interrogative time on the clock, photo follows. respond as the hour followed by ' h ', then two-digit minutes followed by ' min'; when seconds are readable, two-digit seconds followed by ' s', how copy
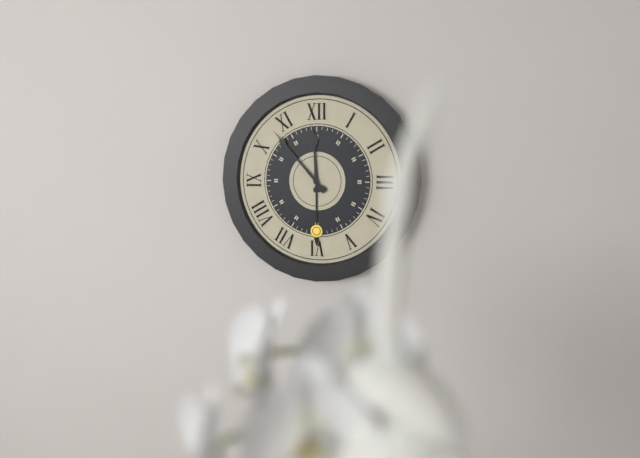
11 h 53 min
